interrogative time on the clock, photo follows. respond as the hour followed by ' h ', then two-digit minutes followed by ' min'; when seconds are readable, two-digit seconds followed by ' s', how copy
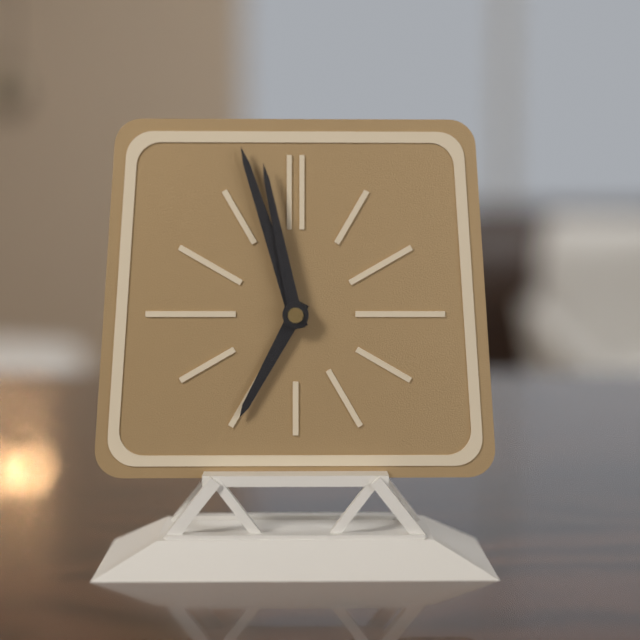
6 h 57 min 58 s
